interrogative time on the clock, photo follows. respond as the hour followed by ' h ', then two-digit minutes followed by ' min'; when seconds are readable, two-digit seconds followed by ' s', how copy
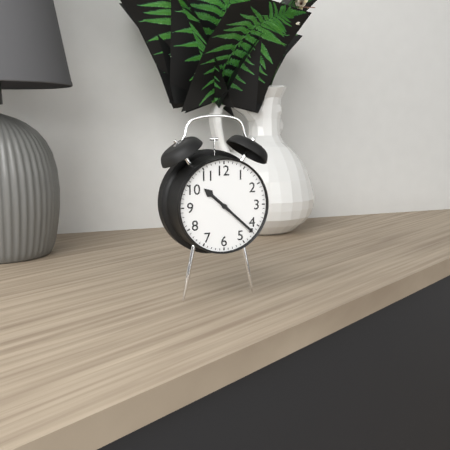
10 h 22 min
